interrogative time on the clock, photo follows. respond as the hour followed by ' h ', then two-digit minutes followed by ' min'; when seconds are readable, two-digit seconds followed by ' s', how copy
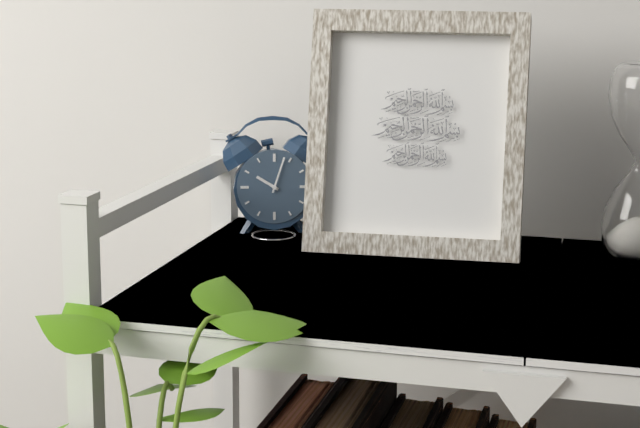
10 h 03 min
